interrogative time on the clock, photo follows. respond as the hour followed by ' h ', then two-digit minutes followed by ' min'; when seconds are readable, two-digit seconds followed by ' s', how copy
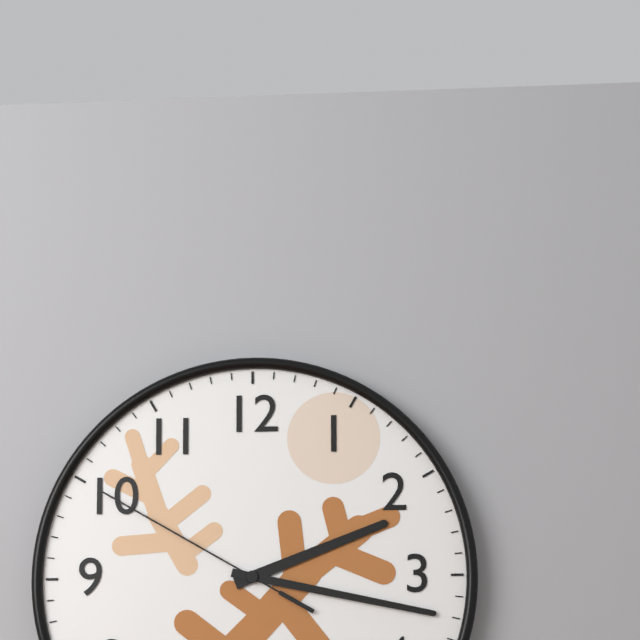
2 h 17 min 50 s
